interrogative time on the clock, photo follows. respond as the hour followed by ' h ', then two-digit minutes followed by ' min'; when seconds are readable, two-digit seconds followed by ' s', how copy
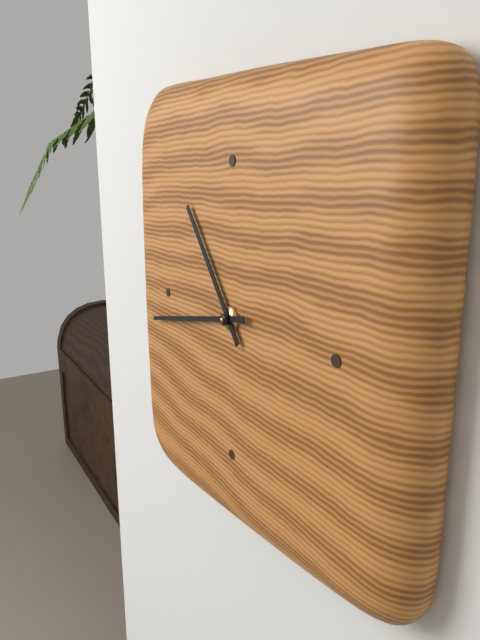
10 h 43 min
